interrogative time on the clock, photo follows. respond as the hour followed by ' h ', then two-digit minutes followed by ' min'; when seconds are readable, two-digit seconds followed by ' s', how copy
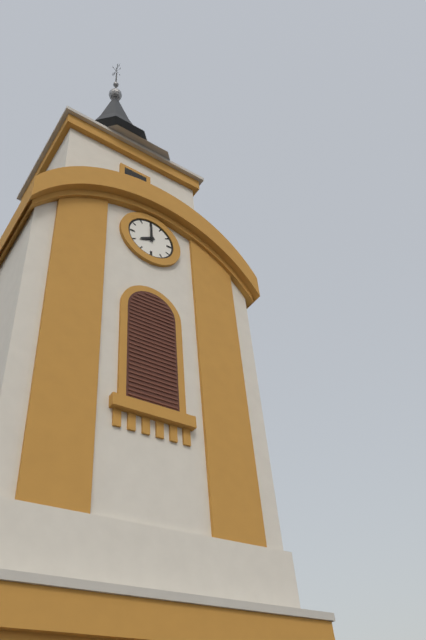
8 h 00 min
